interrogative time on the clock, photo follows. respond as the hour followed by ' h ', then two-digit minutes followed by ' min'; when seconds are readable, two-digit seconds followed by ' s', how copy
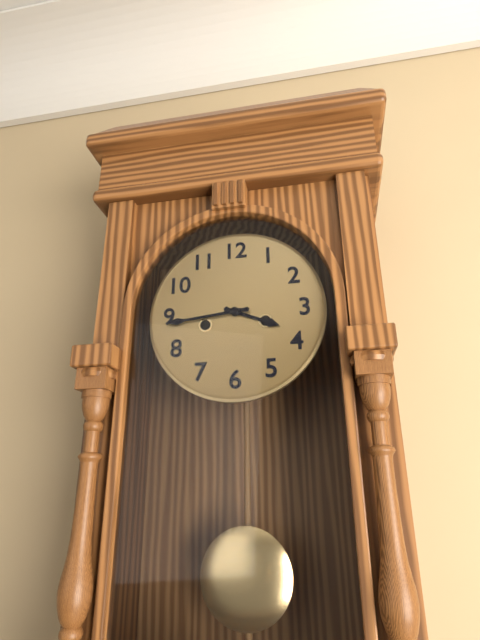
3 h 44 min
